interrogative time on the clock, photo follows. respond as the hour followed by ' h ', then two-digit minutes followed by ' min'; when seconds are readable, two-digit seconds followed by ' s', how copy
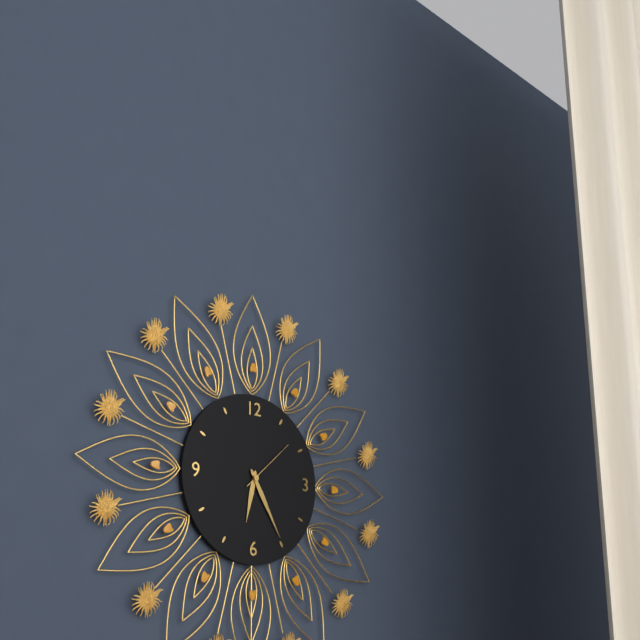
6 h 25 min 08 s
